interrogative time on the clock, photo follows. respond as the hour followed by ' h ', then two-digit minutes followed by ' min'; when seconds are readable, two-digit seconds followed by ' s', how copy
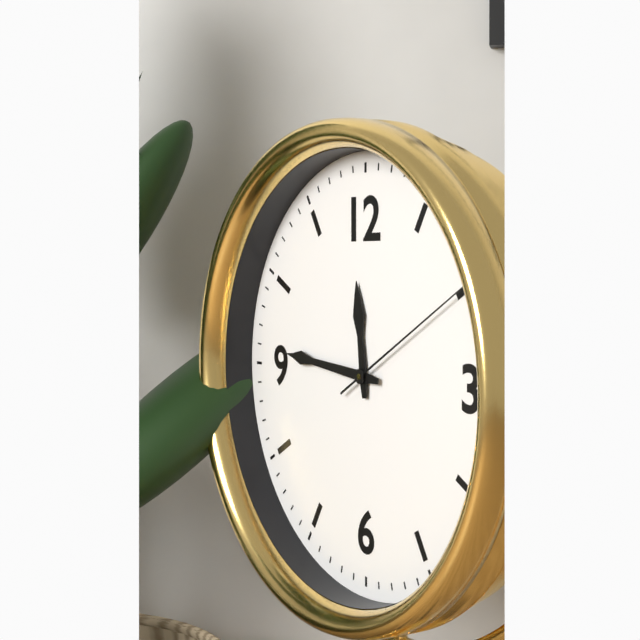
11 h 46 min 10 s
